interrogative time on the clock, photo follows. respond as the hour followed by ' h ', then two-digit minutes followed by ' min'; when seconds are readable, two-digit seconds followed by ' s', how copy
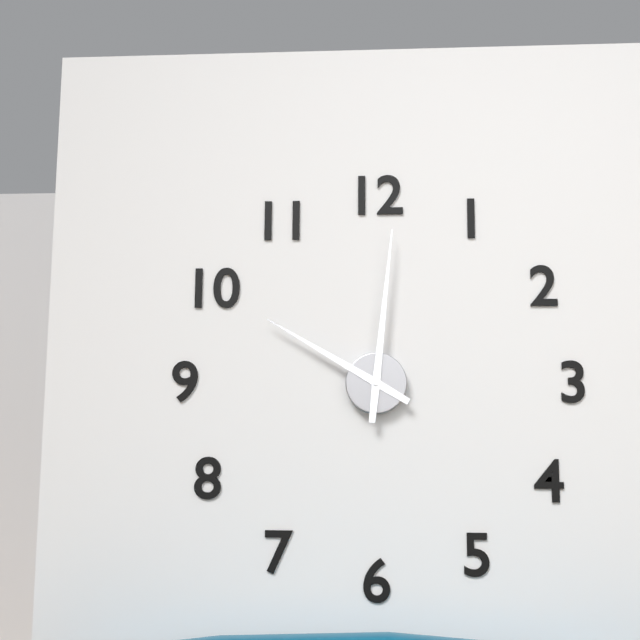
10 h 01 min
